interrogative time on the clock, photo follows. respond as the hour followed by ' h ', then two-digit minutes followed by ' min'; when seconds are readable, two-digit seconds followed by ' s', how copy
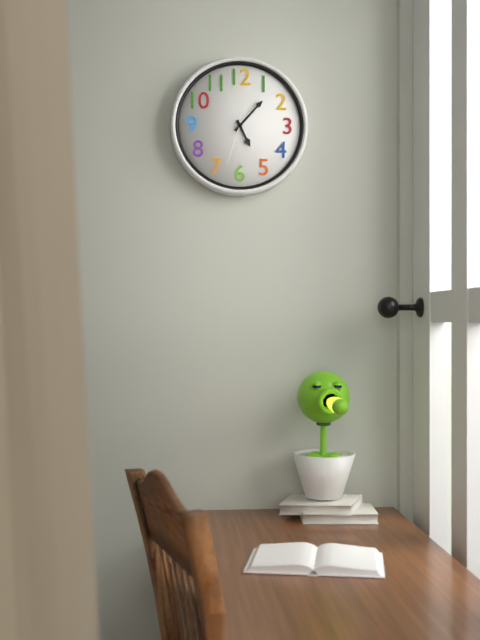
5 h 07 min
